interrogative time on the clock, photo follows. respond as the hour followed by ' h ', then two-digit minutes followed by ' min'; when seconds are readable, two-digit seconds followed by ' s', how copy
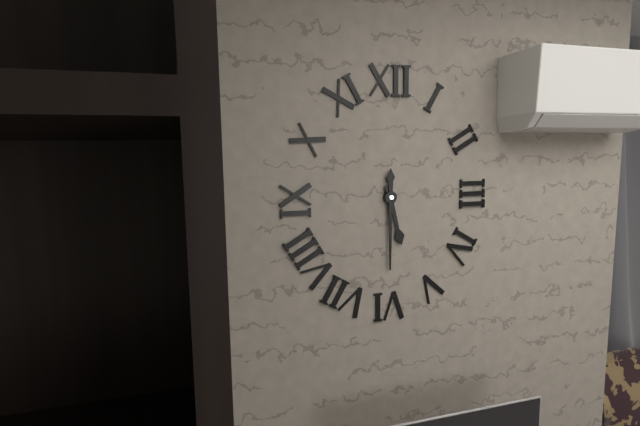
5 h 30 min
